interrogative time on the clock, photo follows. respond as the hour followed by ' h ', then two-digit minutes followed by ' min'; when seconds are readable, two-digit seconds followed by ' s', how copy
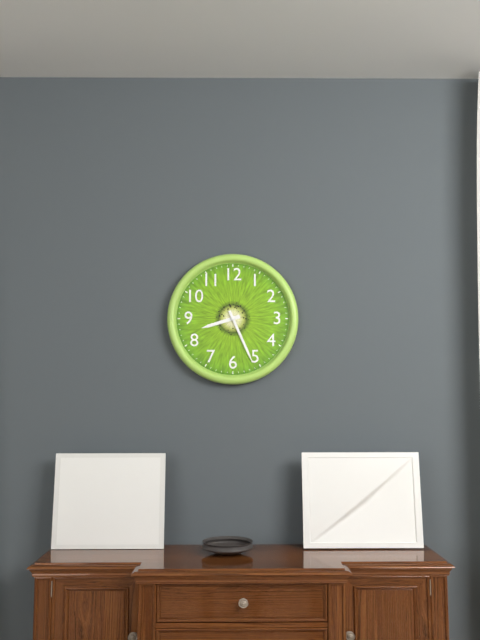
8 h 26 min
